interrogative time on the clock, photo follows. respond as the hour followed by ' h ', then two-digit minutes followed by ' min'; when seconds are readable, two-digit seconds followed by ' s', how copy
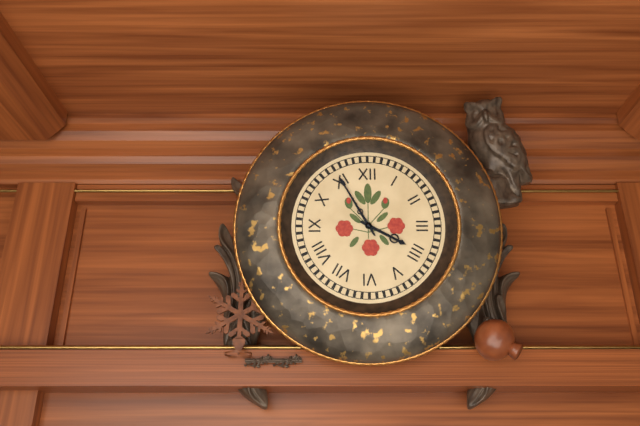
3 h 55 min
